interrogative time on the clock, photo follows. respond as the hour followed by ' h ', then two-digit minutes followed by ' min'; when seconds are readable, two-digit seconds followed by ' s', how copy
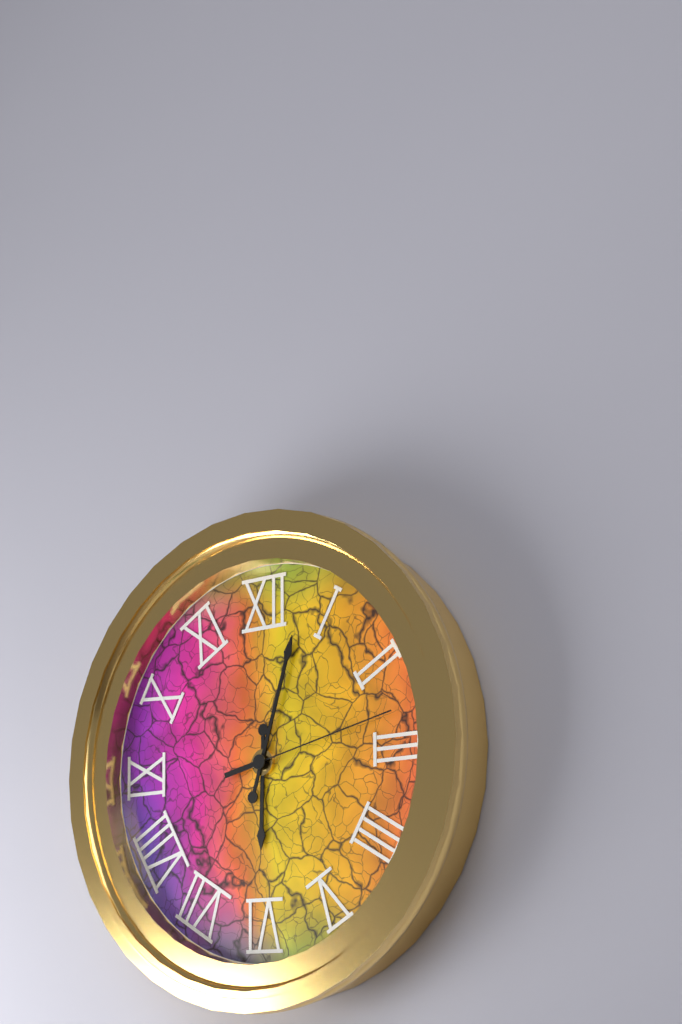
6 h 03 min 13 s
